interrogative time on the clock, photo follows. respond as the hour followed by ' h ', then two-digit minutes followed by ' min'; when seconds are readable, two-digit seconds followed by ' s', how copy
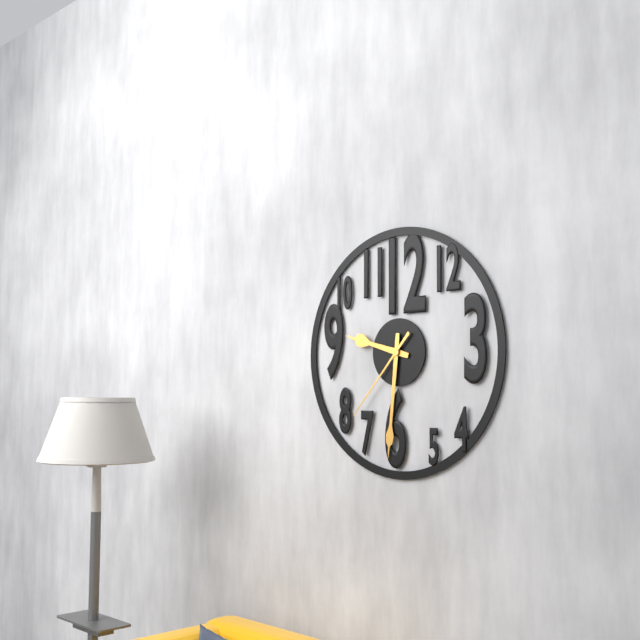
9 h 31 min 37 s
